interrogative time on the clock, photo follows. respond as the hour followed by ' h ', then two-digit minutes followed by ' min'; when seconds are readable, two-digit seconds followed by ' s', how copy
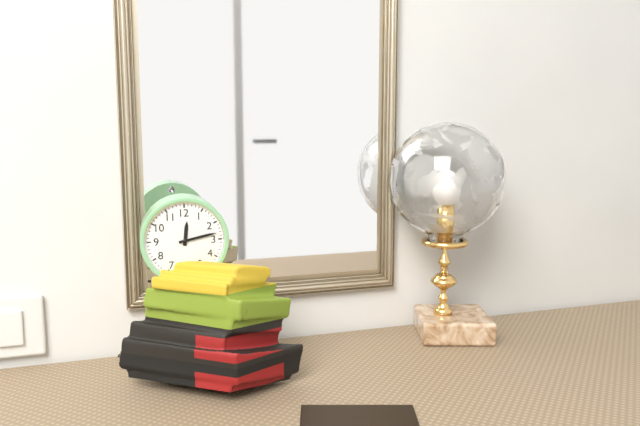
12 h 13 min
